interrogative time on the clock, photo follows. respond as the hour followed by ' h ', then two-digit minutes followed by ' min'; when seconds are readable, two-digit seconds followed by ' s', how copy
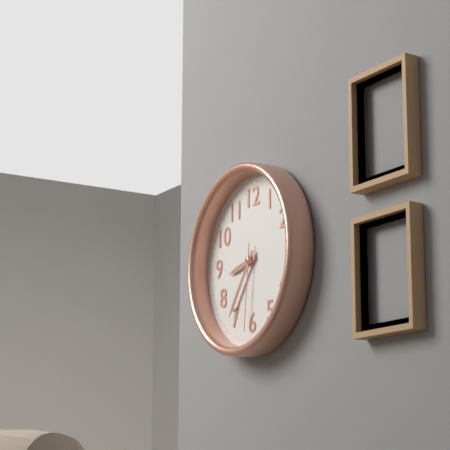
8 h 36 min 31 s
